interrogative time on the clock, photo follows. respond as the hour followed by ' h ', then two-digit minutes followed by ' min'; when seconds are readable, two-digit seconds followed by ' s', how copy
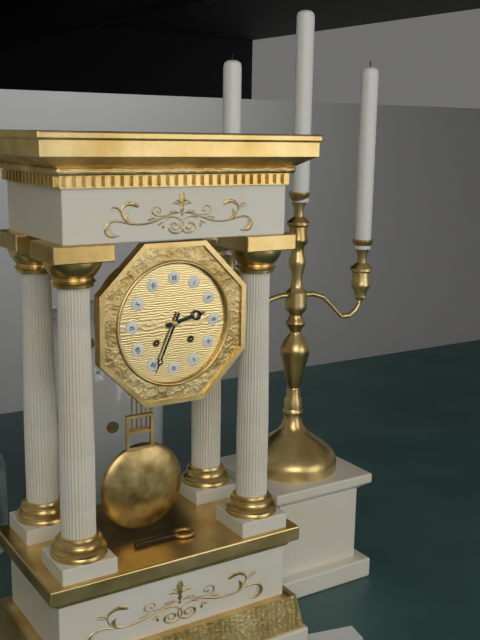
2 h 34 min
